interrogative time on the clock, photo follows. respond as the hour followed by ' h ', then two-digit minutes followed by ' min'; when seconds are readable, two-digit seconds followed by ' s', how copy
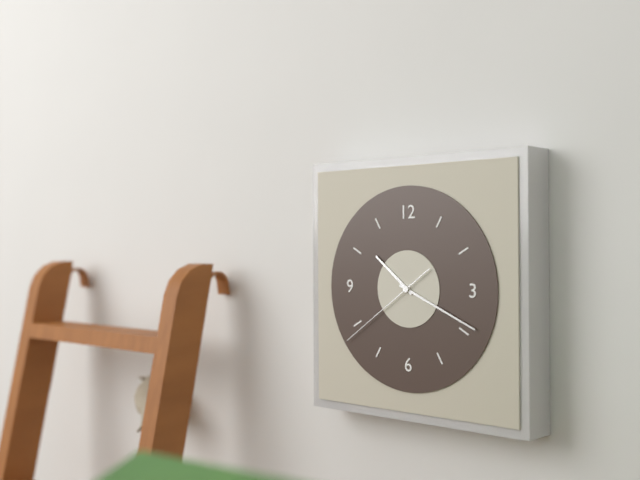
10 h 19 min 39 s
